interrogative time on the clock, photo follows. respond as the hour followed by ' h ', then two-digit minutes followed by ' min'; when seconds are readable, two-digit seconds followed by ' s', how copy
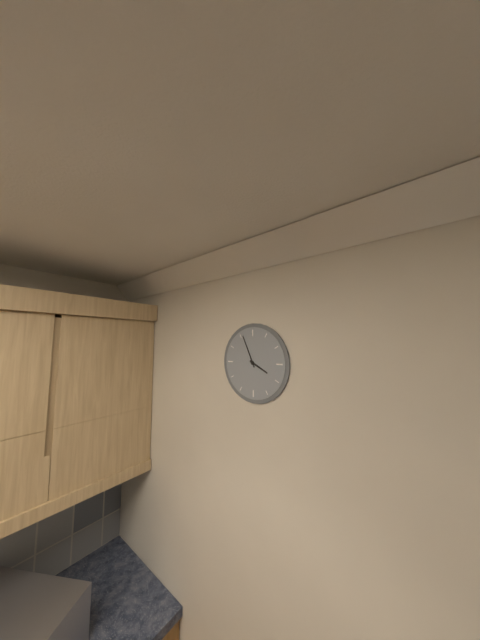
3 h 56 min
